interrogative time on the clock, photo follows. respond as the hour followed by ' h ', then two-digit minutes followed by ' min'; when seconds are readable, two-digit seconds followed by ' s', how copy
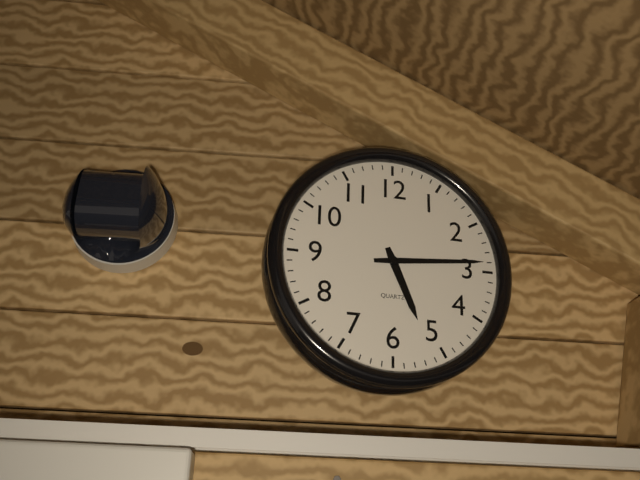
5 h 14 min
